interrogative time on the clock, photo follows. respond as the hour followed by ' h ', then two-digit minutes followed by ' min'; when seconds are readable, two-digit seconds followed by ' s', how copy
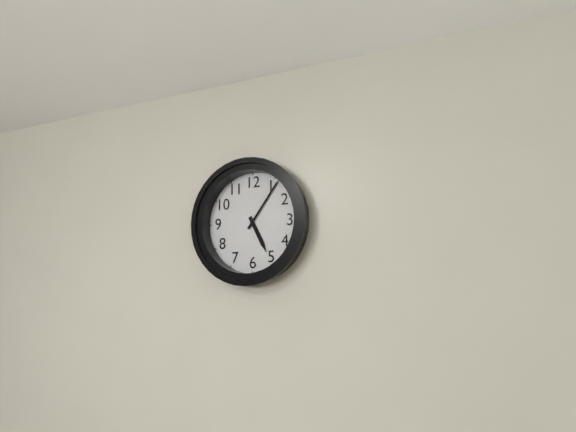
5 h 06 min
